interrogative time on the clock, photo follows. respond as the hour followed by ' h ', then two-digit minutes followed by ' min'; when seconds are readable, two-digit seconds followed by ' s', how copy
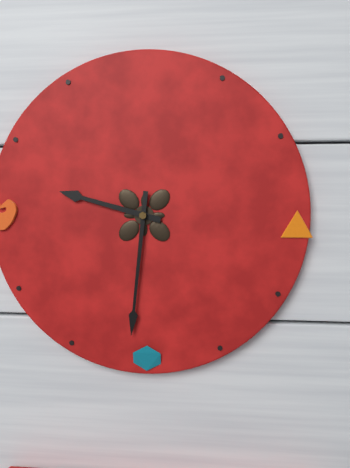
9 h 31 min
